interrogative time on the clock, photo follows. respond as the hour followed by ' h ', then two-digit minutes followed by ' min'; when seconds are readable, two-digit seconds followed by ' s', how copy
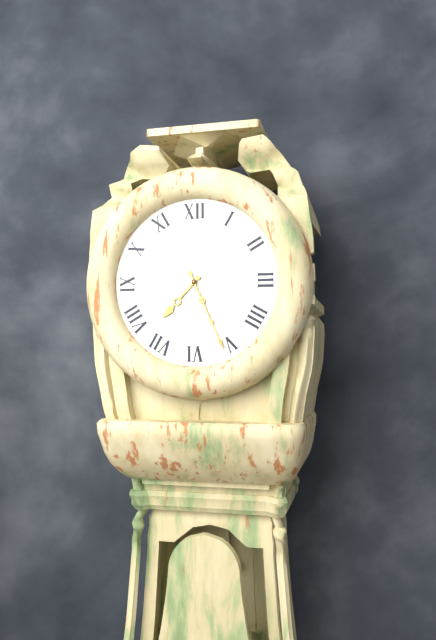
7 h 26 min
